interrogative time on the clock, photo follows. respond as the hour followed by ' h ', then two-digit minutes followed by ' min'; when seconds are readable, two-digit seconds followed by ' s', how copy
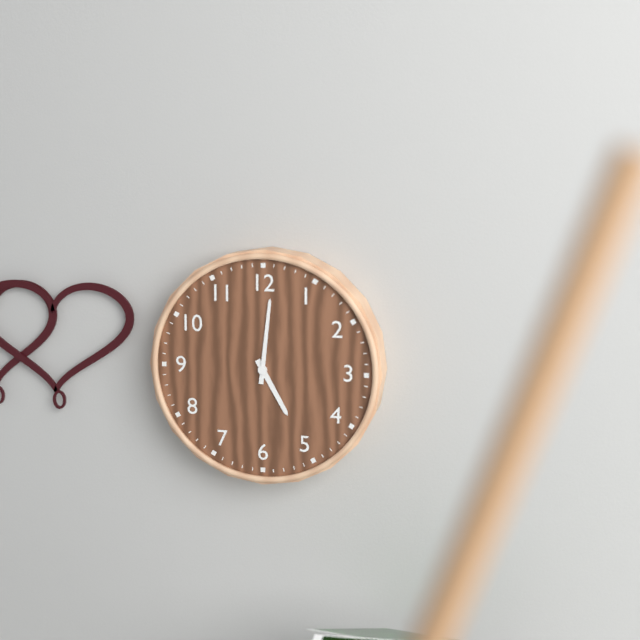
5 h 01 min
